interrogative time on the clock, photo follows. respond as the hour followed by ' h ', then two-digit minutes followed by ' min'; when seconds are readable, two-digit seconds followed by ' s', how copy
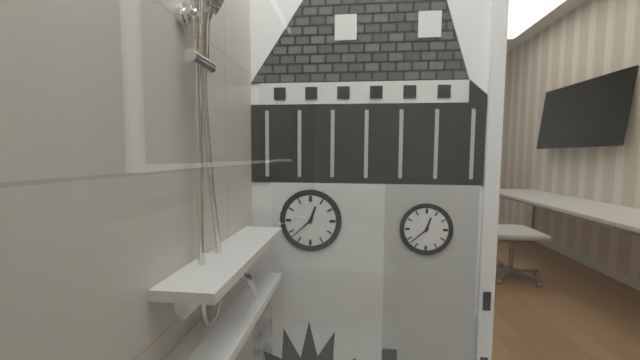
12 h 38 min
